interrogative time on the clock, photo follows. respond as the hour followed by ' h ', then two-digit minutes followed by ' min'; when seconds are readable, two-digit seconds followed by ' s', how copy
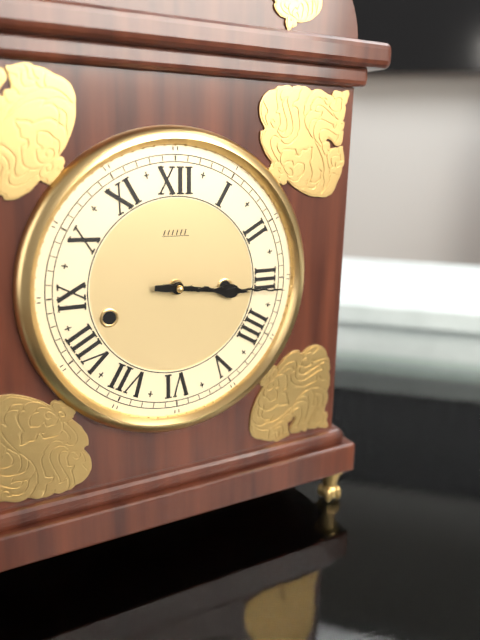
3 h 16 min
